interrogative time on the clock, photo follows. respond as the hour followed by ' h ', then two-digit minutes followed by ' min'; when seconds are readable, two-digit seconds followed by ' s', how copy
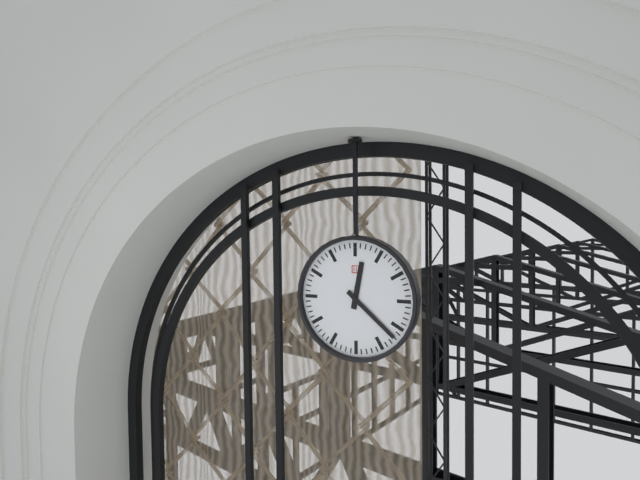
12 h 22 min
